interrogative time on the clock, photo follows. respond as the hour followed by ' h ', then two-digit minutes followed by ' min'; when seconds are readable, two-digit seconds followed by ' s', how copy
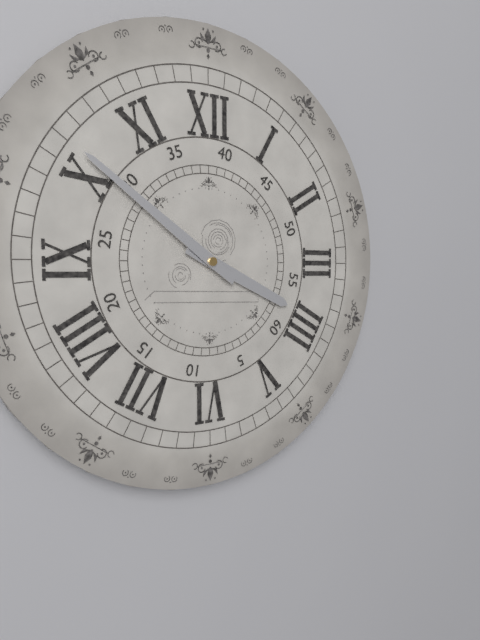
3 h 51 min
